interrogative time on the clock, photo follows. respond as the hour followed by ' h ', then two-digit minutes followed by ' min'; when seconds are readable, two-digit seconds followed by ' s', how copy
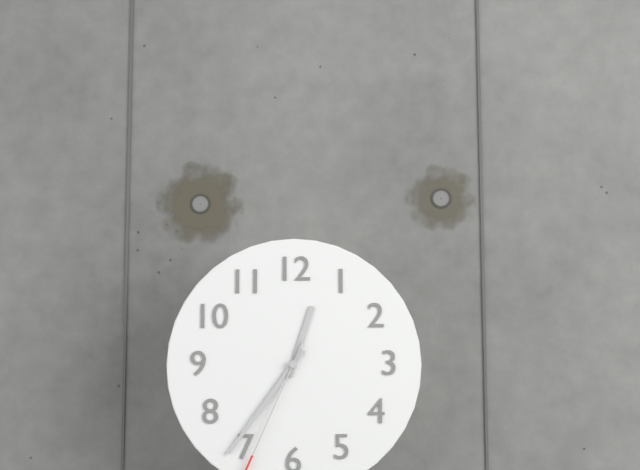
12 h 36 min
